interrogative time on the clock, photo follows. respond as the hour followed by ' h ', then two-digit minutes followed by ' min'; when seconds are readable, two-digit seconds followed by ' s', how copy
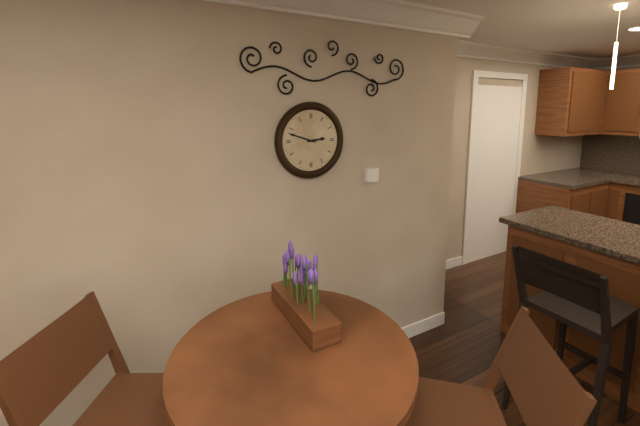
2 h 48 min
